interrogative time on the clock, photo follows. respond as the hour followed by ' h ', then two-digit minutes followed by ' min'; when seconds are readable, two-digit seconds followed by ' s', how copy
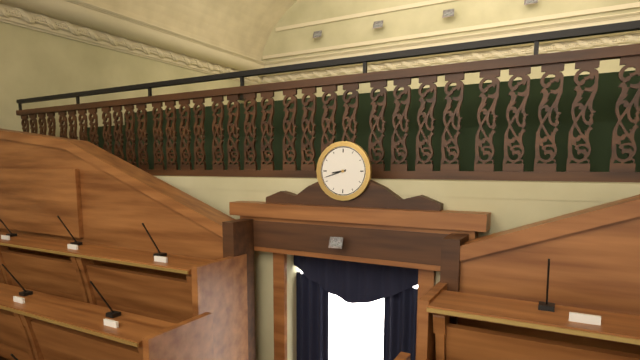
8 h 42 min
